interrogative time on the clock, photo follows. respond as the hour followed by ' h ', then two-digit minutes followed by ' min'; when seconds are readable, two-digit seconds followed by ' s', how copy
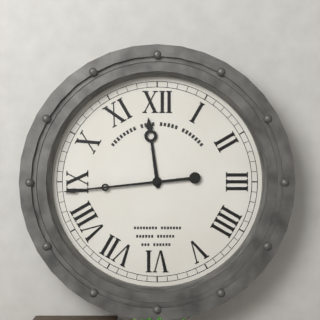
11 h 44 min
